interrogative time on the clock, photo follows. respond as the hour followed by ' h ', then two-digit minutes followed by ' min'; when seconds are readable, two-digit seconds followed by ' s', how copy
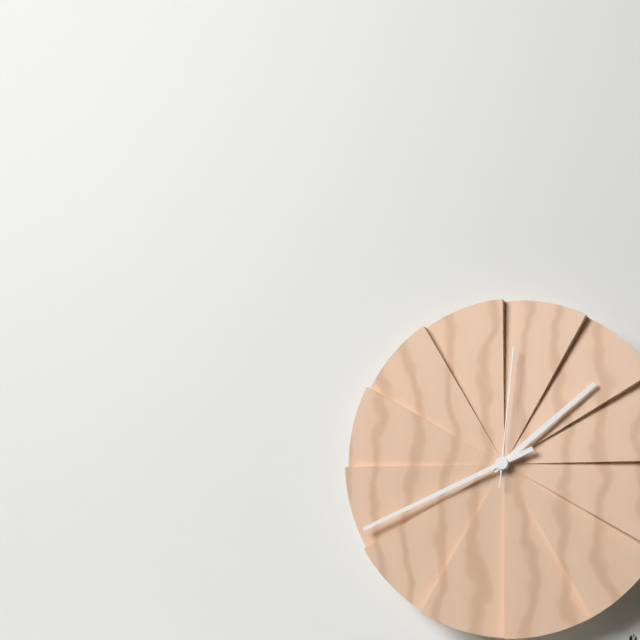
1 h 41 min 01 s
